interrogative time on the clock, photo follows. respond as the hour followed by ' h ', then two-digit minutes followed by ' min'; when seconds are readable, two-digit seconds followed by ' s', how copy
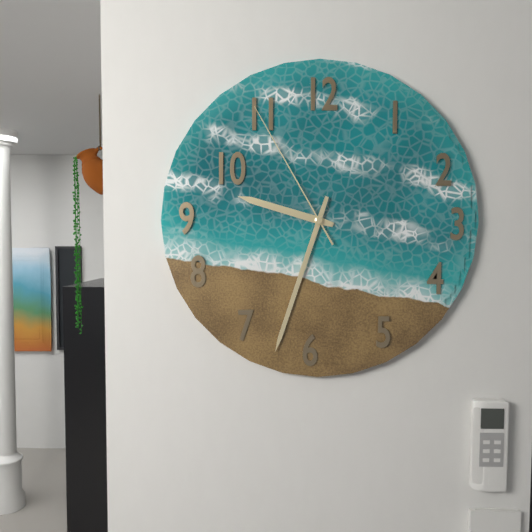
9 h 33 min 55 s
